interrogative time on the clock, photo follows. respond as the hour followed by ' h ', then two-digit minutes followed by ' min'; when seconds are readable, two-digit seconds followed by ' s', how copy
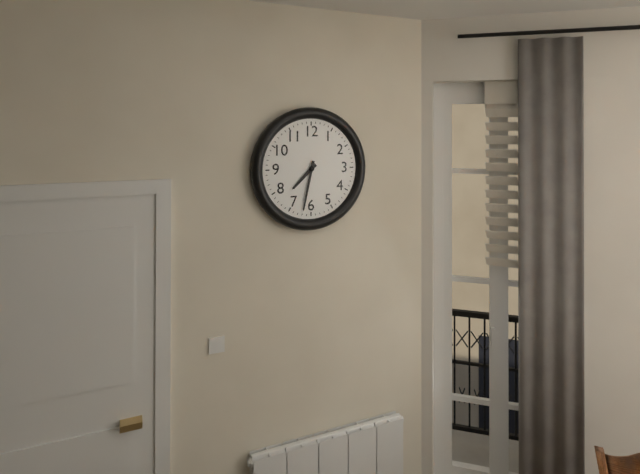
7 h 32 min
